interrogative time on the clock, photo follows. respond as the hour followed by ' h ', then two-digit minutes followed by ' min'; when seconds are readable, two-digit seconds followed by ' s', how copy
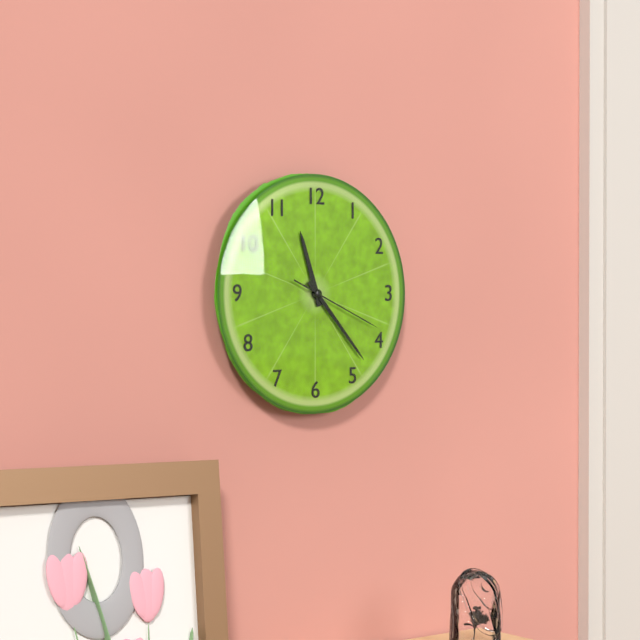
11 h 23 min 19 s
